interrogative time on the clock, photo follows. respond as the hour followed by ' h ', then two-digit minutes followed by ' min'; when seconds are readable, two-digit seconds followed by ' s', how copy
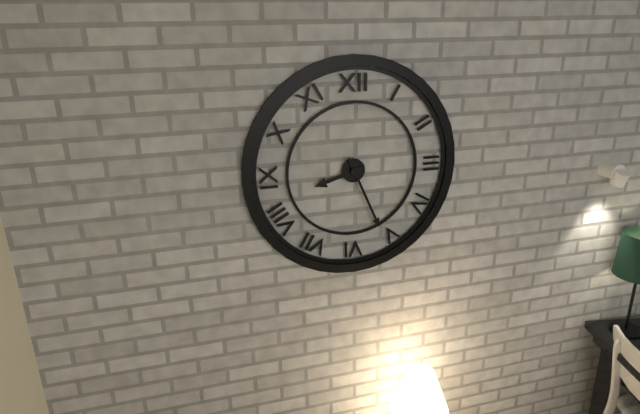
8 h 26 min
